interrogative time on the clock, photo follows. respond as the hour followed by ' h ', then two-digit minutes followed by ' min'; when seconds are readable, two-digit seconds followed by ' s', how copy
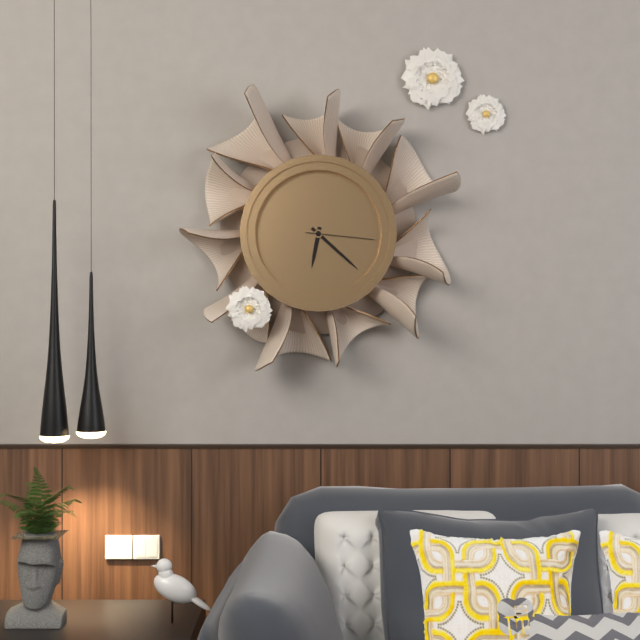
6 h 22 min 16 s
